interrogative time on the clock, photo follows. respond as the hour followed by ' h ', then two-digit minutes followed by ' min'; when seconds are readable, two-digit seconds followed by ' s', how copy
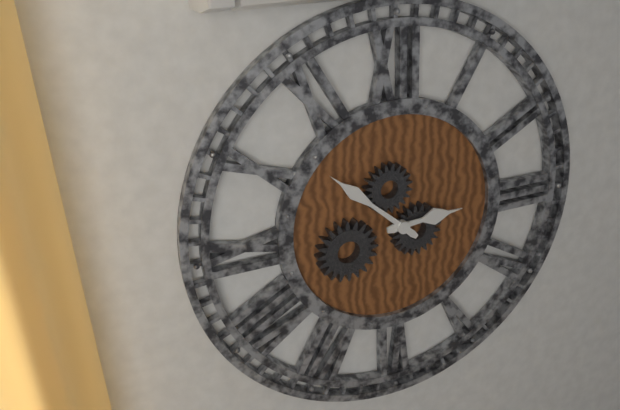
2 h 52 min
